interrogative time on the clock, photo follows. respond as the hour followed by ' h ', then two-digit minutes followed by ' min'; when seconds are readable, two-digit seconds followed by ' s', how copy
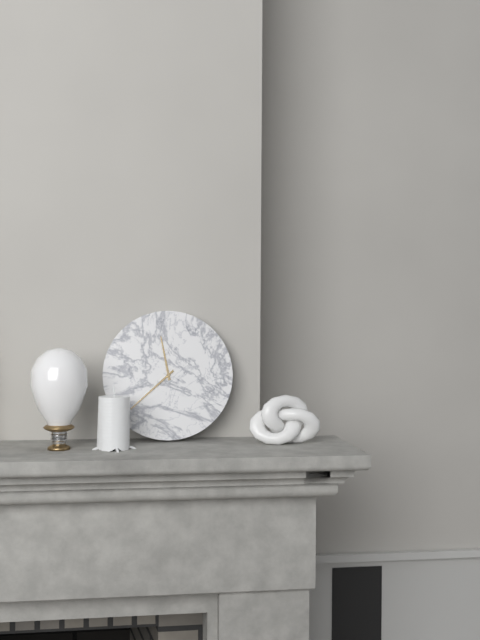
11 h 38 min
